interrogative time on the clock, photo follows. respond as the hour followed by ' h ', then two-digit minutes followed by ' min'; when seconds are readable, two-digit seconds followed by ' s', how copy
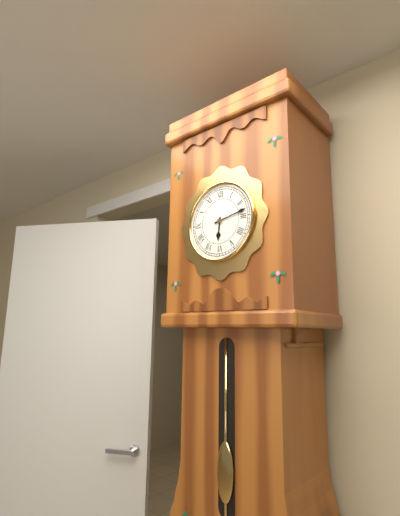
6 h 13 min
